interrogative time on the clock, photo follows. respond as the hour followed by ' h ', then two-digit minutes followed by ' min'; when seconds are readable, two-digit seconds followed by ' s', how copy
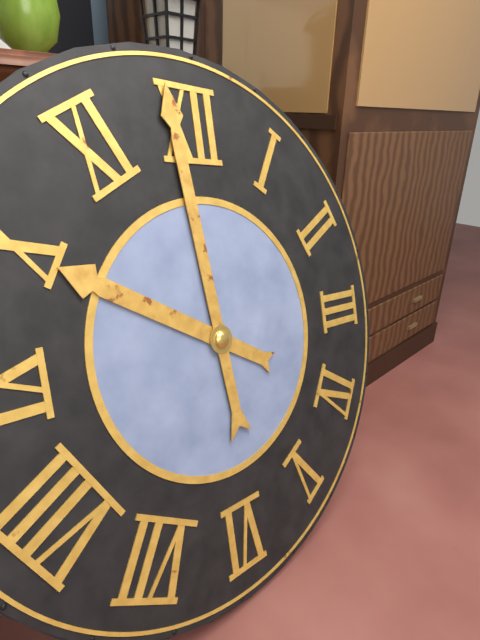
9 h 59 min
